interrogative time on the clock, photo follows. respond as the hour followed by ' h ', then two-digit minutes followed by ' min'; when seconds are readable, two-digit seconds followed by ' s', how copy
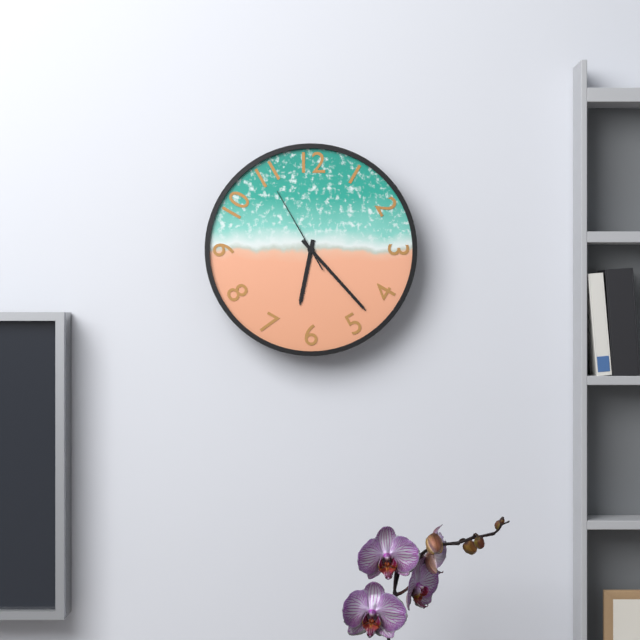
6 h 23 min 55 s
